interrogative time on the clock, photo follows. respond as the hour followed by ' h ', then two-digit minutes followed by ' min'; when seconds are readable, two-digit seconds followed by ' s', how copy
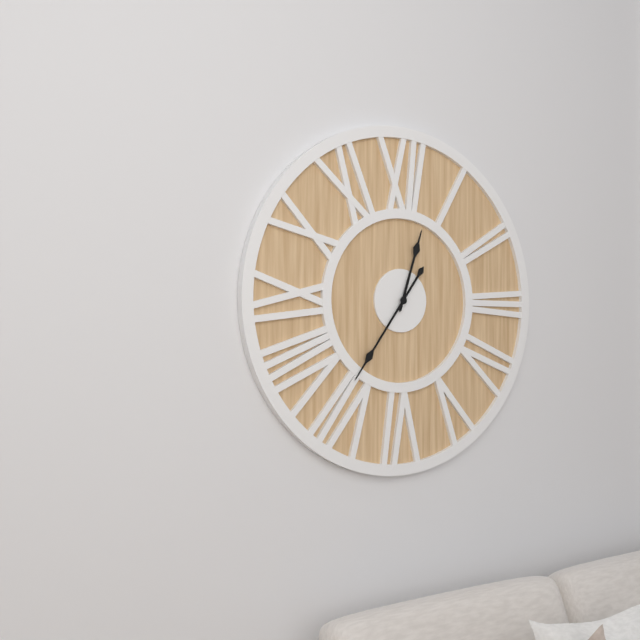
12 h 36 min
